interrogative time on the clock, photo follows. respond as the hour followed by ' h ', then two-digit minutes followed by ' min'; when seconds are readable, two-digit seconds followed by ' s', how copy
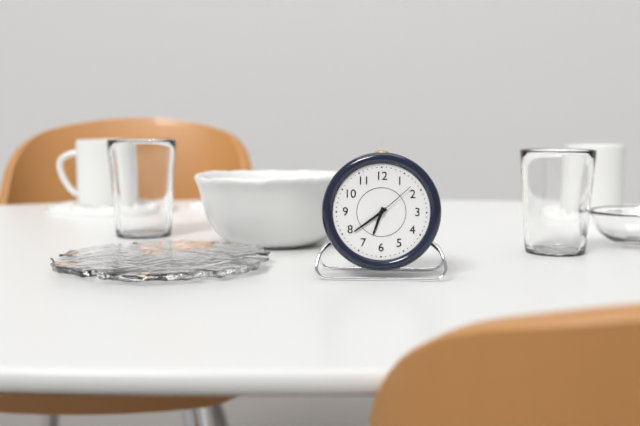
6 h 39 min
